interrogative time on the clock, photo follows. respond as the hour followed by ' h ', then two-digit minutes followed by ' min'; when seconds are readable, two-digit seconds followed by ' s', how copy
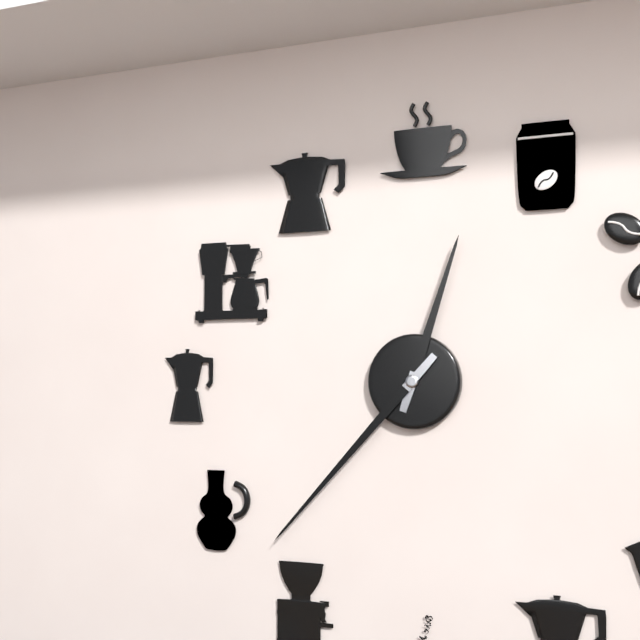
12 h 37 min
